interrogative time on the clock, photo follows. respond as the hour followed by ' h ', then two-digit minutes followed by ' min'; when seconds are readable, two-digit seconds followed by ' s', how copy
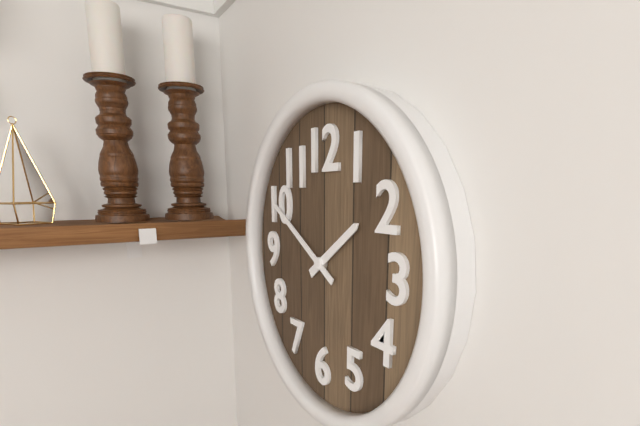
1 h 50 min
